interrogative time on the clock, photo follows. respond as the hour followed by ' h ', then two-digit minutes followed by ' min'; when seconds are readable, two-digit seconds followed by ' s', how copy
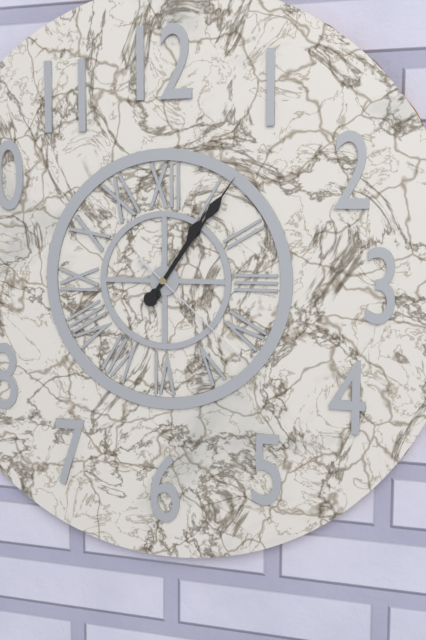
1 h 06 min 22 s
